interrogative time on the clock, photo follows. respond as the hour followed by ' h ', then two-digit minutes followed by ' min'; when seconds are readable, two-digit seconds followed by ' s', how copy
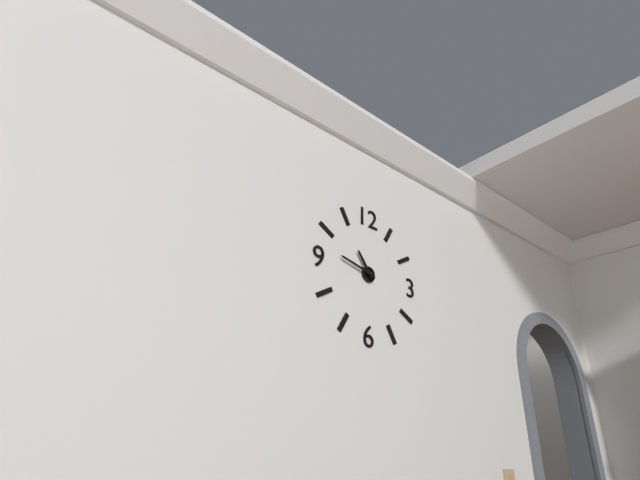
10 h 47 min
